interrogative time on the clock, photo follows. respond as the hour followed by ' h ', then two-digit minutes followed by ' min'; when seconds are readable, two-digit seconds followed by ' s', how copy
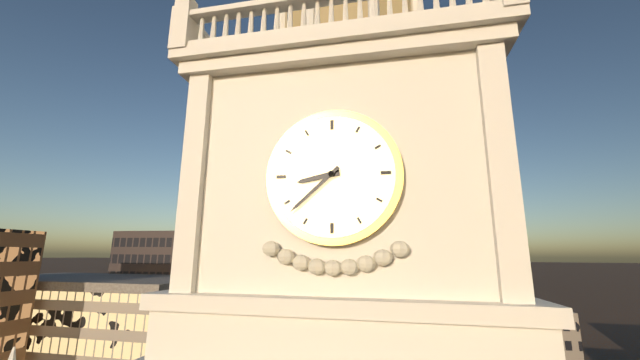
8 h 38 min
